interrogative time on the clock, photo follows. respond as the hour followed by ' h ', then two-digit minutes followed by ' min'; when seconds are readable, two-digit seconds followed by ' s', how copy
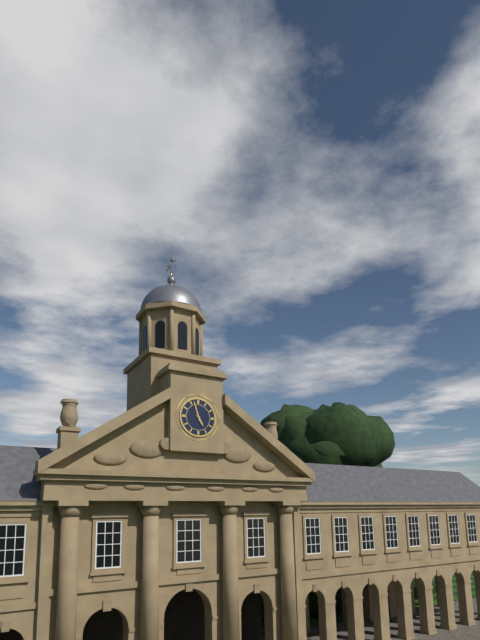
4 h 57 min
